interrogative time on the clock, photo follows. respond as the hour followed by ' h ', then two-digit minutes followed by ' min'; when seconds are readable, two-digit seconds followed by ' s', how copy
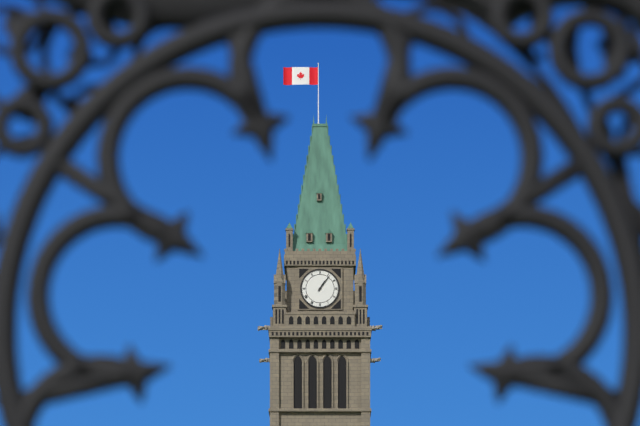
1 h 06 min
